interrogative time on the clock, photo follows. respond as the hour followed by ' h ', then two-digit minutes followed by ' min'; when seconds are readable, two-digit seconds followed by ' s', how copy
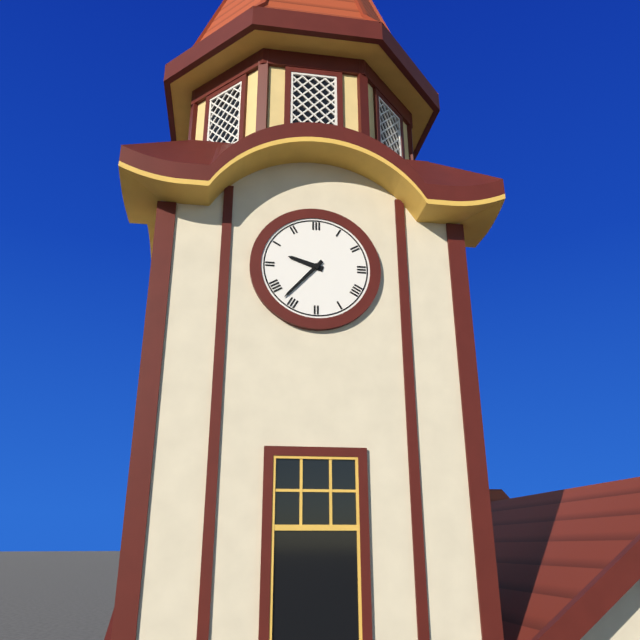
9 h 37 min
